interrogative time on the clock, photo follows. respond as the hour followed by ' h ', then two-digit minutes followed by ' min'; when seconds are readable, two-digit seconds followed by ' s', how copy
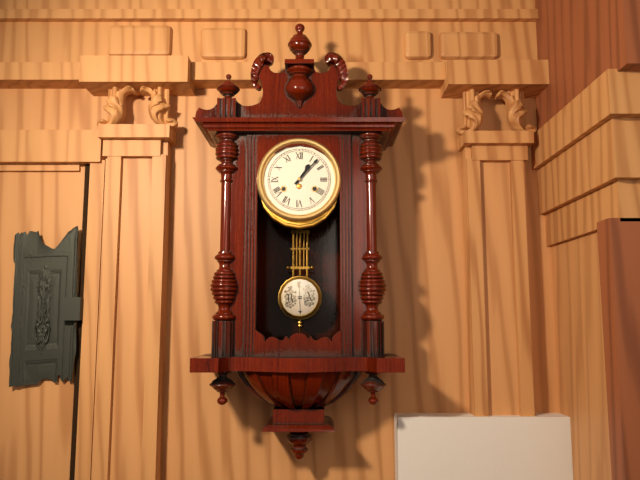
1 h 07 min
